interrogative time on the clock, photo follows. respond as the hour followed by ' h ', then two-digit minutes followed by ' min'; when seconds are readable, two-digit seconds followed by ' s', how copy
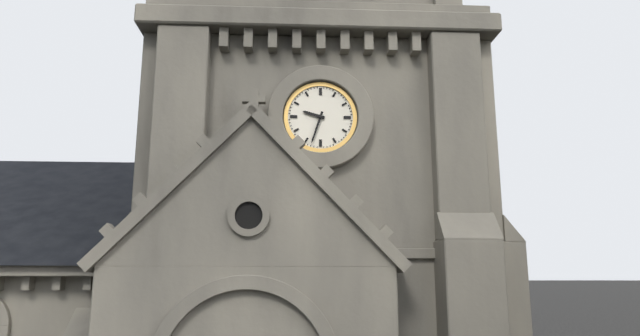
9 h 33 min
